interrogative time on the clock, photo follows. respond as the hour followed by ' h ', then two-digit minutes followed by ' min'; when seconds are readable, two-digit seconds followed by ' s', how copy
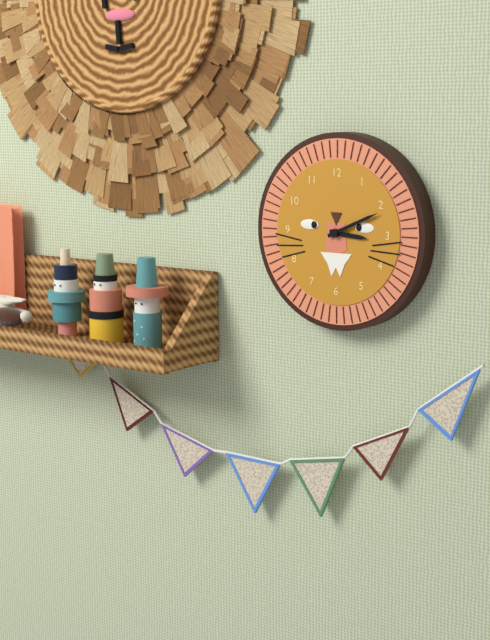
3 h 11 min
